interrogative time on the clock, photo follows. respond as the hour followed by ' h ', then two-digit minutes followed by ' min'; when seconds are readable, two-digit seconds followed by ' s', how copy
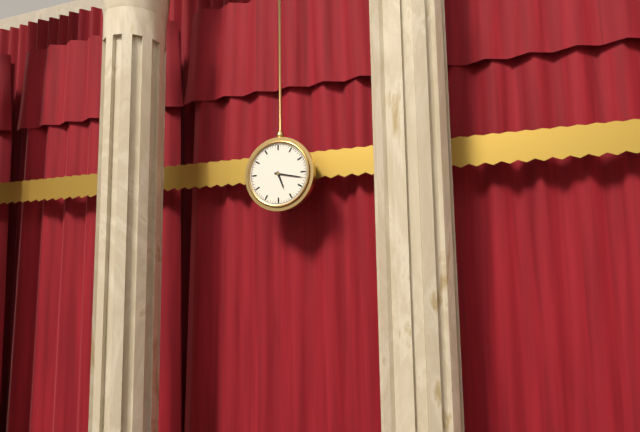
5 h 17 min
